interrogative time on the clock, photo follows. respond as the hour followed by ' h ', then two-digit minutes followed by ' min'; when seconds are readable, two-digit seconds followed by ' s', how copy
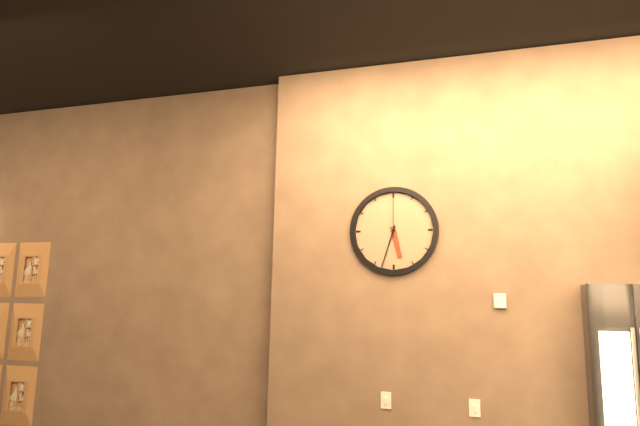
5 h 33 min
